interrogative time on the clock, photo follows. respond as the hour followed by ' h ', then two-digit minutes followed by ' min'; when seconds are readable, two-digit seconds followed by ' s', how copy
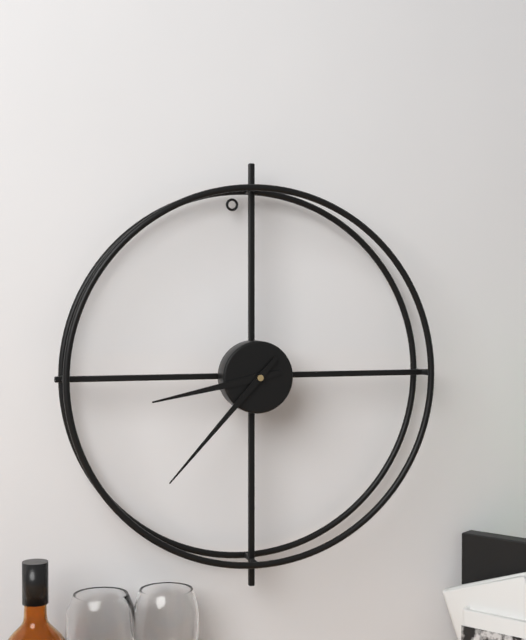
8 h 37 min
